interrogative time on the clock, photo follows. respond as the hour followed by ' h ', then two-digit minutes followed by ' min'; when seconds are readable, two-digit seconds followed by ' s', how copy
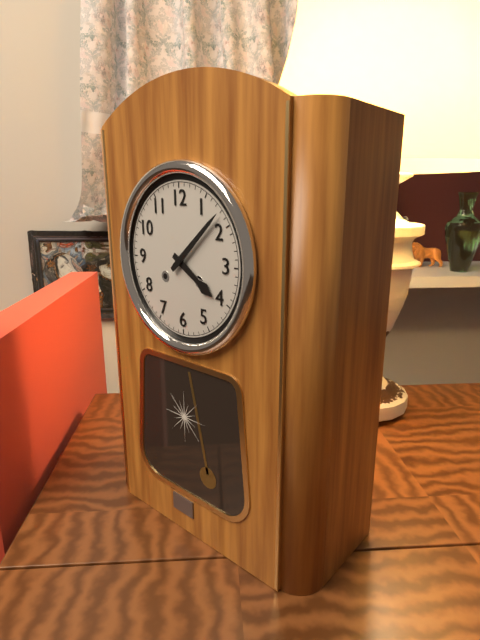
4 h 08 min
